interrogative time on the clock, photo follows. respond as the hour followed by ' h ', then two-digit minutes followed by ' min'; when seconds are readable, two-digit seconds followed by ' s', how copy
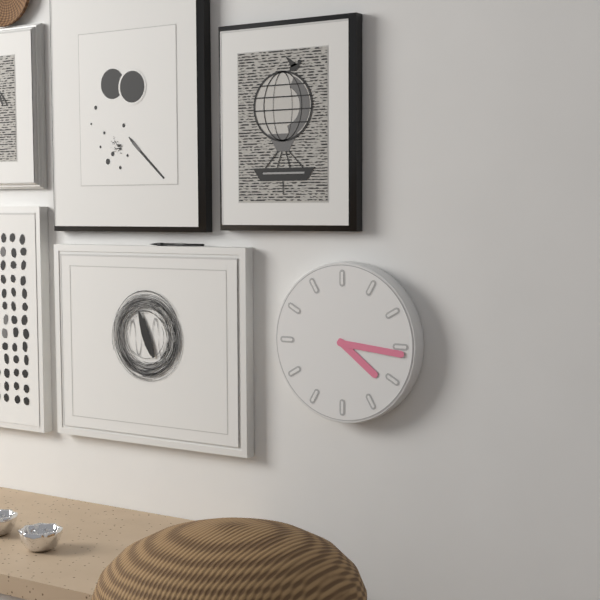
4 h 16 min
